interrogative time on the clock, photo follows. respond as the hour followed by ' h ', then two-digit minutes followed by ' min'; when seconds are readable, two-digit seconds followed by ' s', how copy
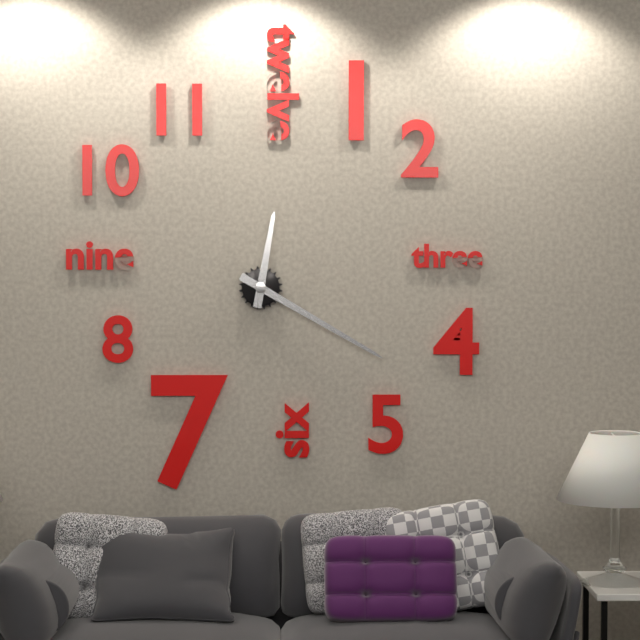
12 h 20 min
